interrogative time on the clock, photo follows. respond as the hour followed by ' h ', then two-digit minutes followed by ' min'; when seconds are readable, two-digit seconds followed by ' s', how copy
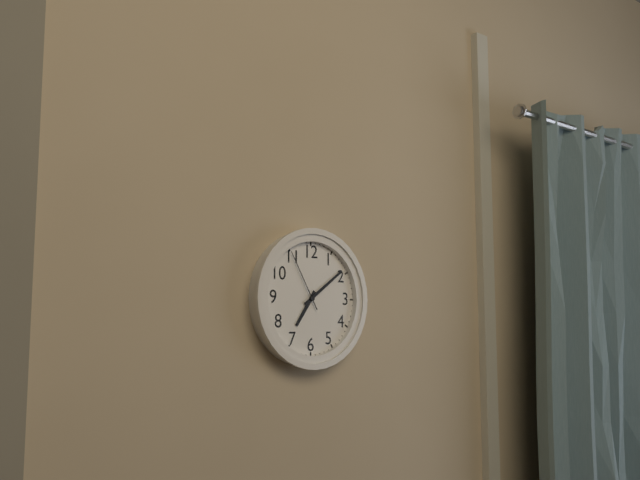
7 h 09 min 55 s
